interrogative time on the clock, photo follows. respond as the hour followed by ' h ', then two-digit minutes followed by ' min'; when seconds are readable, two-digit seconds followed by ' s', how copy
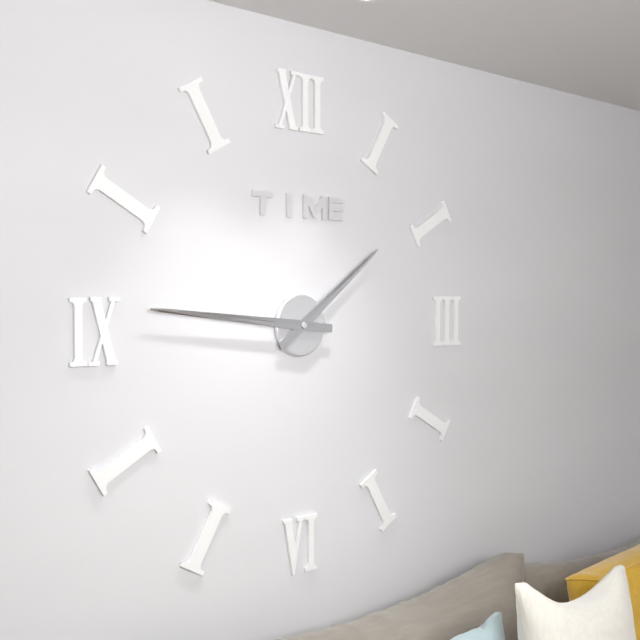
1 h 46 min
